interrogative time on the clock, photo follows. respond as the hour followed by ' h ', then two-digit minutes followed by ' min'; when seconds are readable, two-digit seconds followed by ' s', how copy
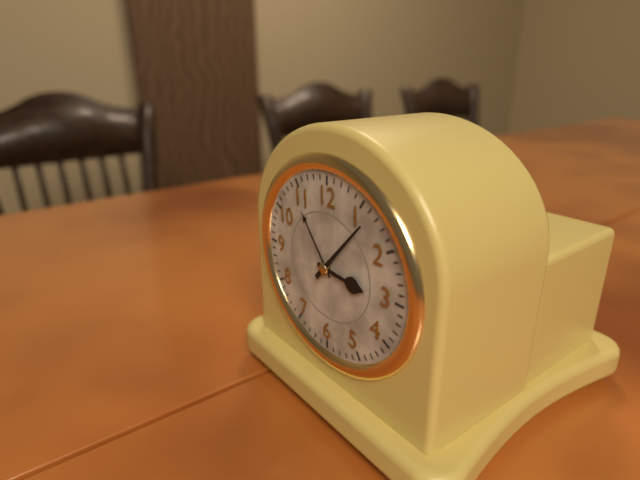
3 h 07 min
